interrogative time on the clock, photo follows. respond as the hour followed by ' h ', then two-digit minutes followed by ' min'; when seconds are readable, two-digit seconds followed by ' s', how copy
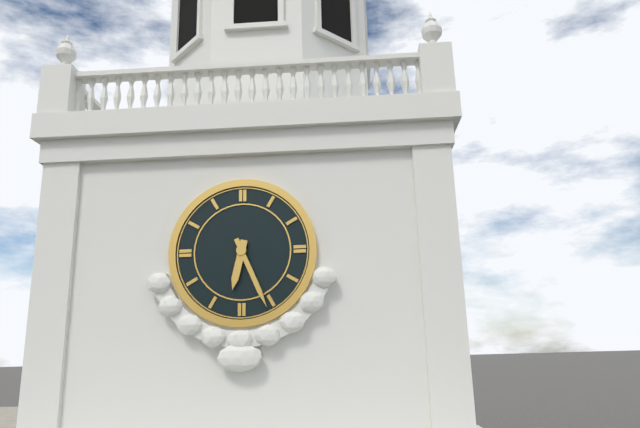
6 h 26 min
